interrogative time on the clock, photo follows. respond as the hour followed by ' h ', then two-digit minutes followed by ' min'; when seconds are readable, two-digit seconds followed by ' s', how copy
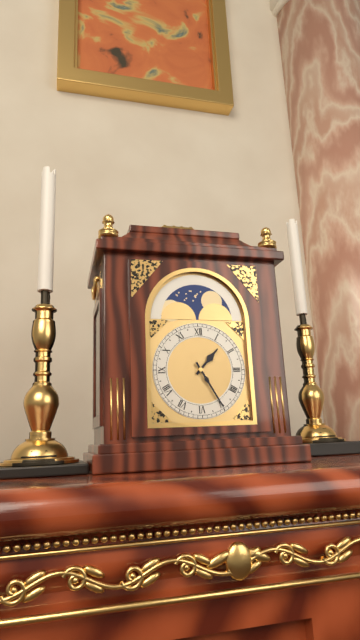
1 h 25 min
